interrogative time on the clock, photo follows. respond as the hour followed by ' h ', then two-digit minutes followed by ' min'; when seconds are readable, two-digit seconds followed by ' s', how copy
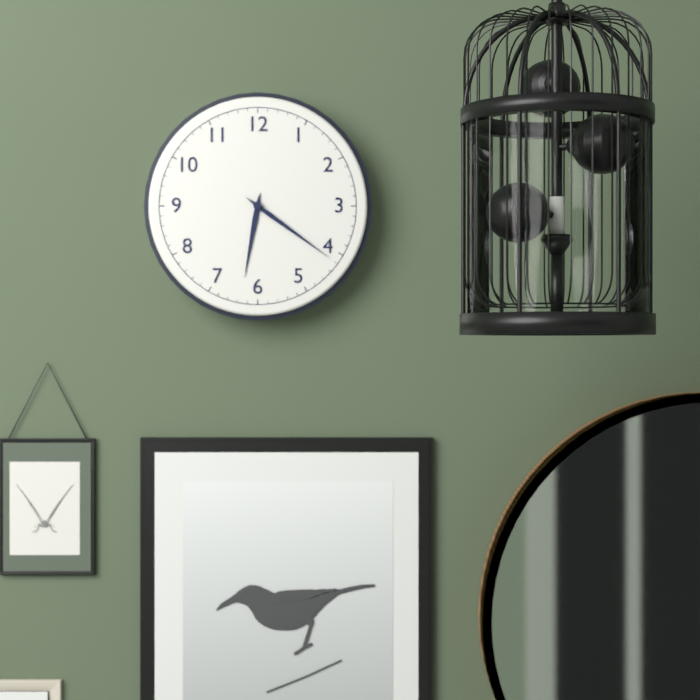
6 h 21 min
